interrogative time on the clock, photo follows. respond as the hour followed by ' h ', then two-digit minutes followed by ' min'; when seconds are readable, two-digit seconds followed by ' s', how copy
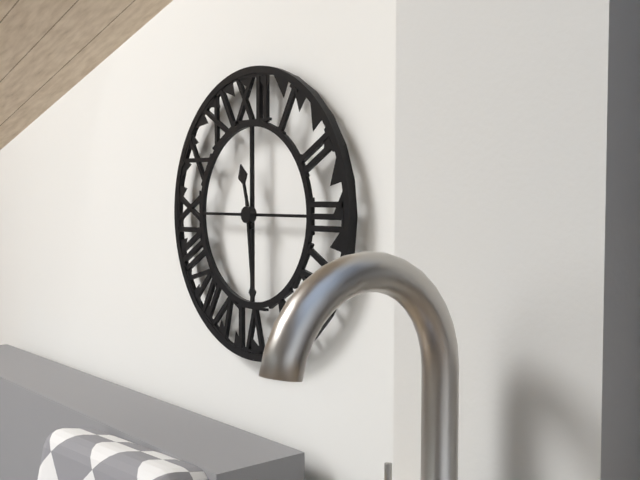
11 h 29 min
